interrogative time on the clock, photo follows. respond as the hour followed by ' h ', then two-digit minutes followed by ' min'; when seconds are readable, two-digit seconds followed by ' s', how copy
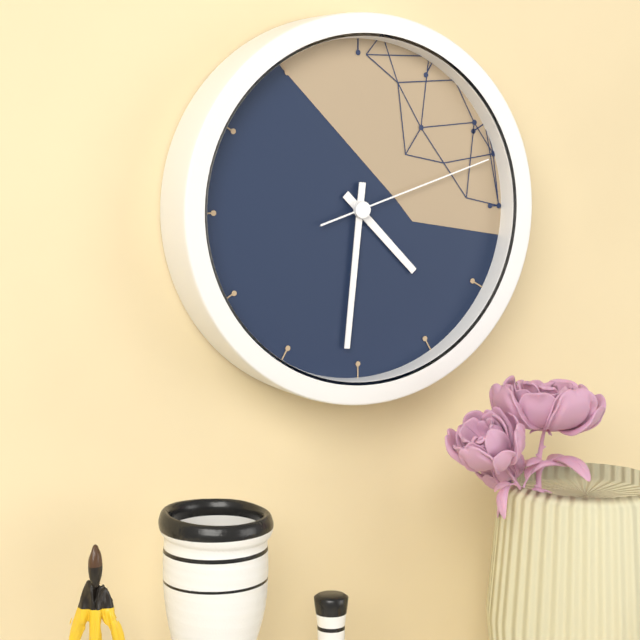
4 h 31 min 12 s
